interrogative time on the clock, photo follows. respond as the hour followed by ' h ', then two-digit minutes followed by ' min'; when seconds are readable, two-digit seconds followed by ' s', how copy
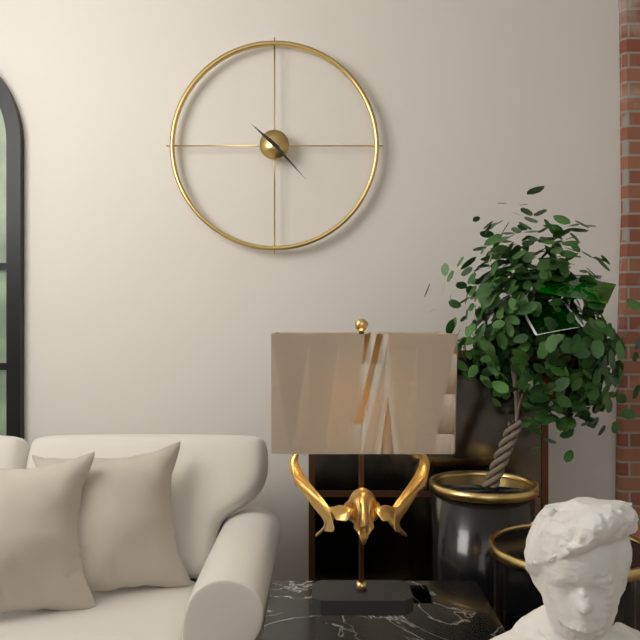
10 h 23 min
